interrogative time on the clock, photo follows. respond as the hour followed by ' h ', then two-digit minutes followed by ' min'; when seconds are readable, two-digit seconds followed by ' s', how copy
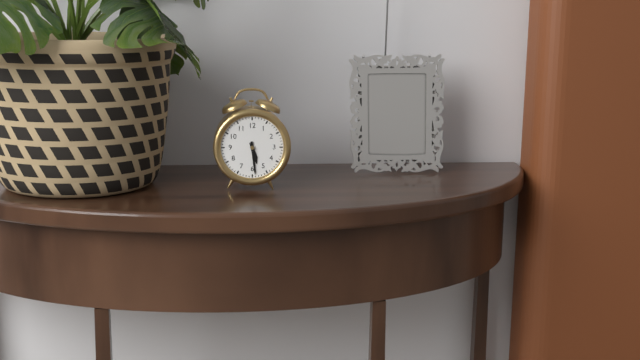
5 h 29 min
